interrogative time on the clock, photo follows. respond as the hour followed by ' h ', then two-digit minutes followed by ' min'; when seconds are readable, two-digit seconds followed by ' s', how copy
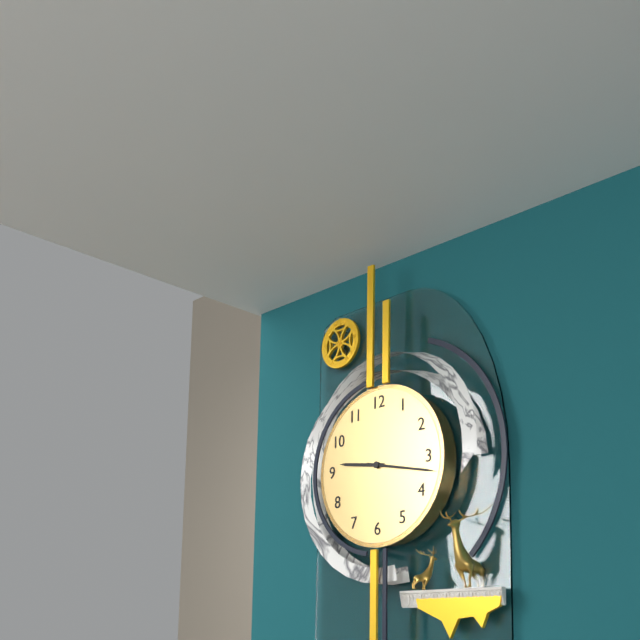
9 h 17 min
